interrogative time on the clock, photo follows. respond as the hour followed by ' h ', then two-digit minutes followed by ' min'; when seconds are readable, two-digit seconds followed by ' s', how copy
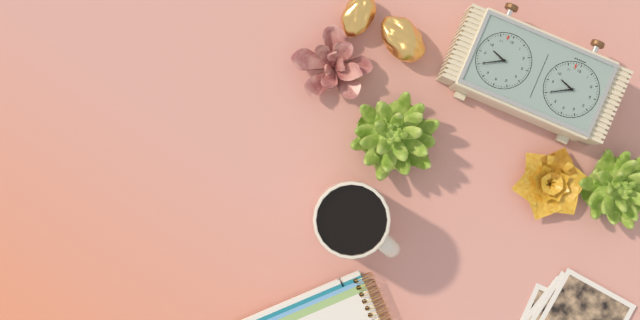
9 h 40 min
